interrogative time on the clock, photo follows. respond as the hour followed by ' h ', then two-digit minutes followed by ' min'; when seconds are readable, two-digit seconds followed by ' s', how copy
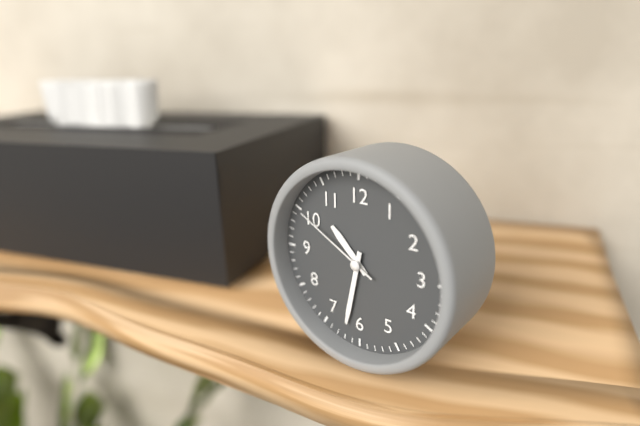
10 h 32 min 50 s
